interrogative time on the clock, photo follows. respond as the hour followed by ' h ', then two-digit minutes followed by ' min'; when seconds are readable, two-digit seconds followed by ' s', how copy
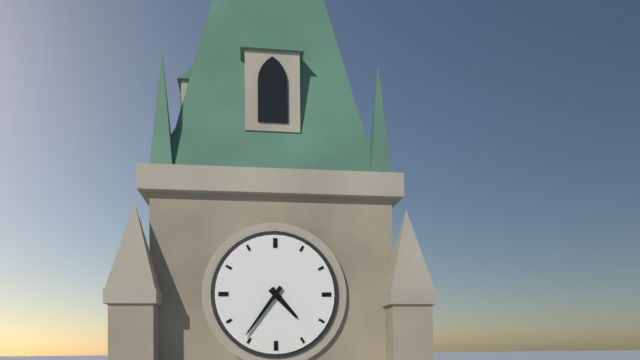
4 h 36 min
